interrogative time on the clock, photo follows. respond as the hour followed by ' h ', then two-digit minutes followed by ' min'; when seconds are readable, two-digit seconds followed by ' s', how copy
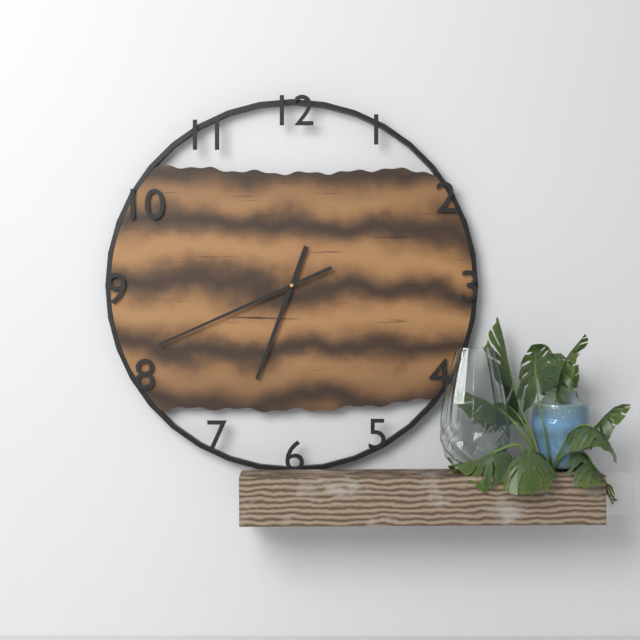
6 h 41 min
